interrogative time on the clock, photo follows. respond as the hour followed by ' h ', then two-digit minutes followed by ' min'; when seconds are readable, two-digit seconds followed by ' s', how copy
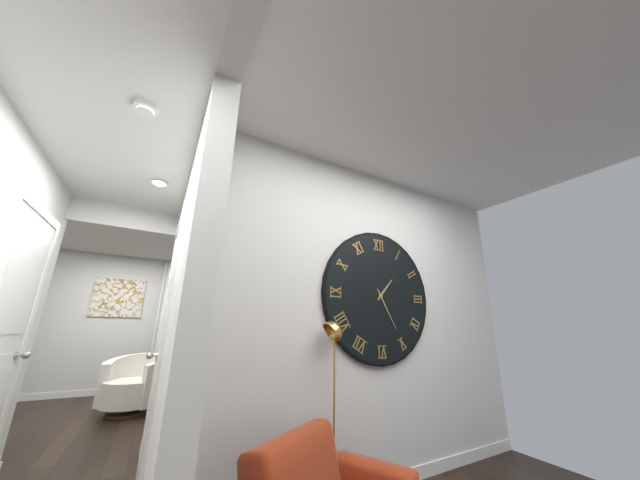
1 h 25 min
